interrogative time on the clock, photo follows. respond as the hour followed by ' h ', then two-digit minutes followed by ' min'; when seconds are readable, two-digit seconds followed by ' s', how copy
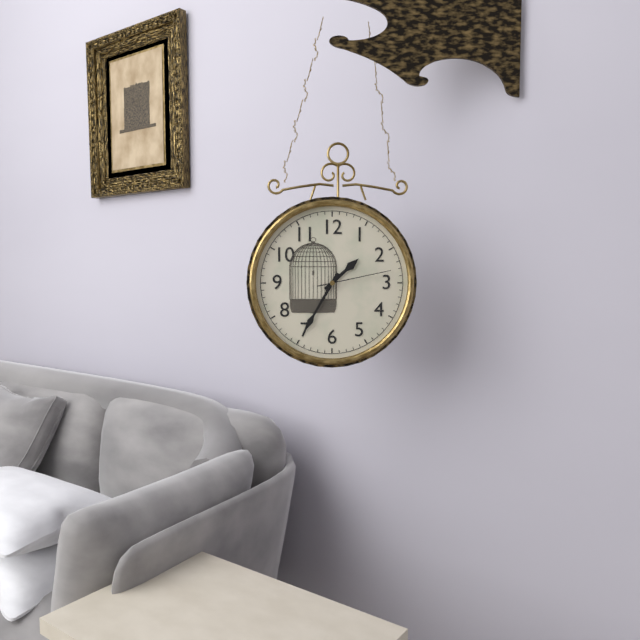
1 h 35 min 13 s
